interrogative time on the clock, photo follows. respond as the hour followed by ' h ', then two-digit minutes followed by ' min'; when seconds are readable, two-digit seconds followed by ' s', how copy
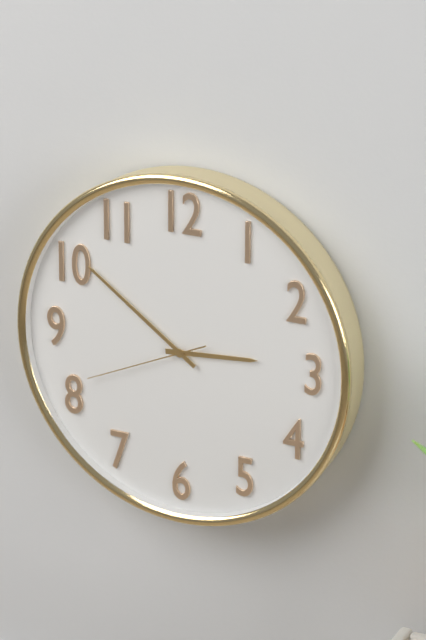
2 h 51 min 41 s
